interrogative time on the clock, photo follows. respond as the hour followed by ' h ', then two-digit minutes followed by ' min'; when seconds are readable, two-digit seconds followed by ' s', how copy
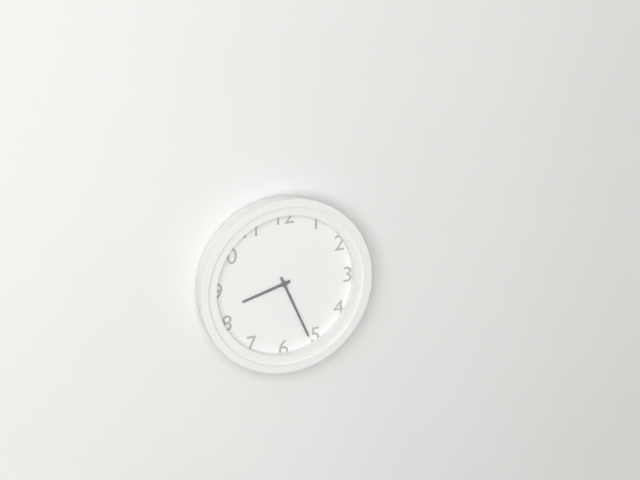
8 h 26 min
